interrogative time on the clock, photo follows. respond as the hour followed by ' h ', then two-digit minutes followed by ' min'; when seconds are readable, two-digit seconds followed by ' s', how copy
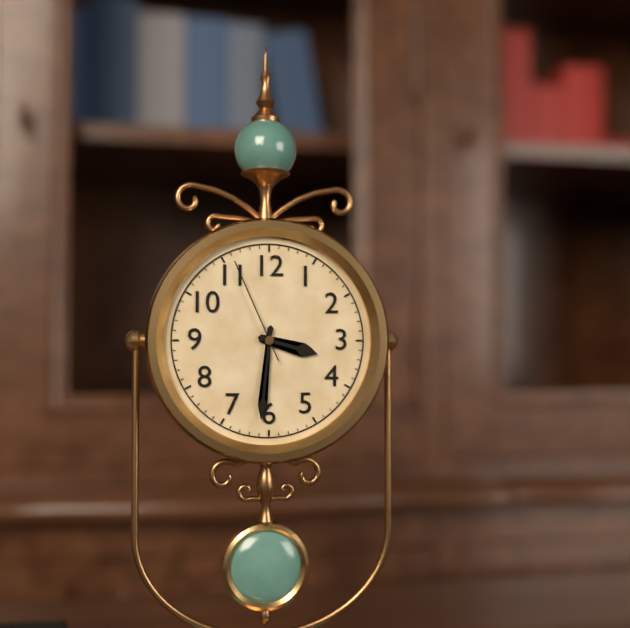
3 h 31 min 56 s
